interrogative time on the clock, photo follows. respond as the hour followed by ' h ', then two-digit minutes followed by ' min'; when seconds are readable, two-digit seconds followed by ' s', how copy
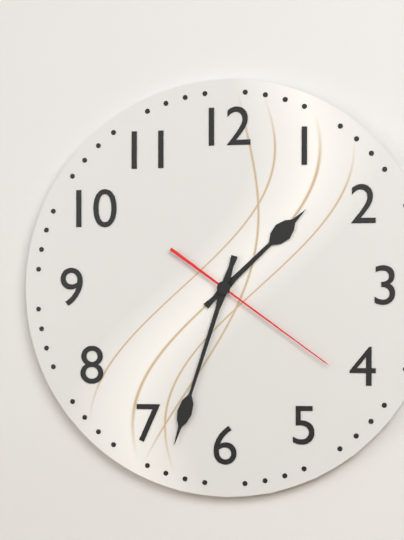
1 h 33 min 21 s
